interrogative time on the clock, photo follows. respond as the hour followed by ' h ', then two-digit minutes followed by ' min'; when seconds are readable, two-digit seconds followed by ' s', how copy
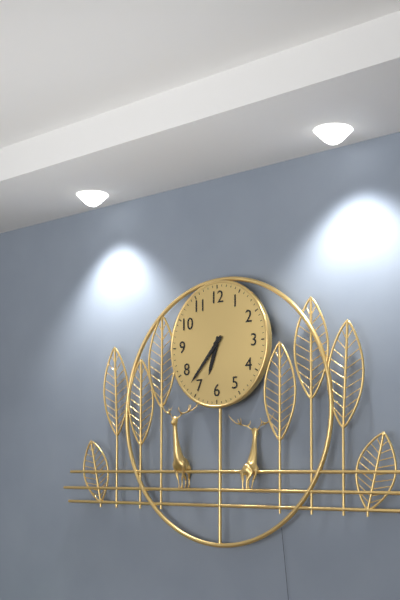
6 h 37 min
